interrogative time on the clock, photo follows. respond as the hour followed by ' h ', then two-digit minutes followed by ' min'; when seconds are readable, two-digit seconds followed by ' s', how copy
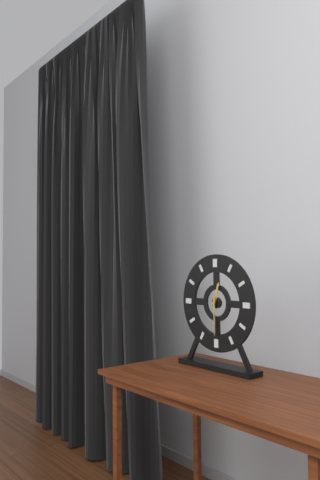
12 h 30 min
